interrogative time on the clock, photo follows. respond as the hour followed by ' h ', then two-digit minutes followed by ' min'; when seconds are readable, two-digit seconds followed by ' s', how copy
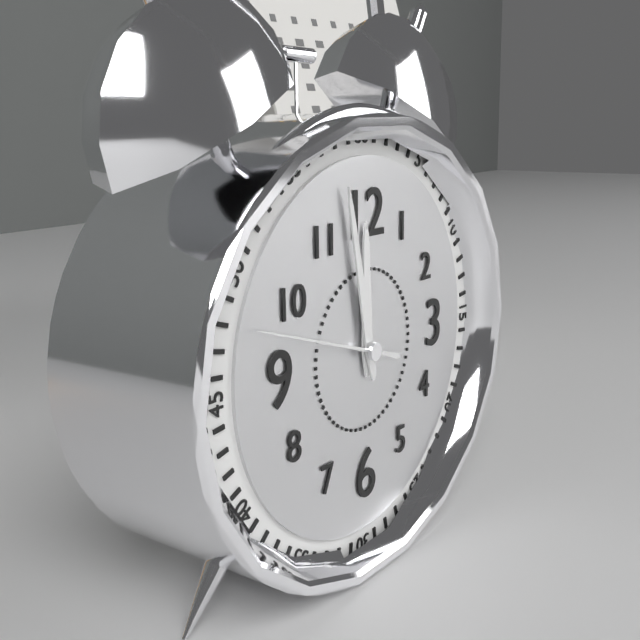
11 h 58 min 48 s
